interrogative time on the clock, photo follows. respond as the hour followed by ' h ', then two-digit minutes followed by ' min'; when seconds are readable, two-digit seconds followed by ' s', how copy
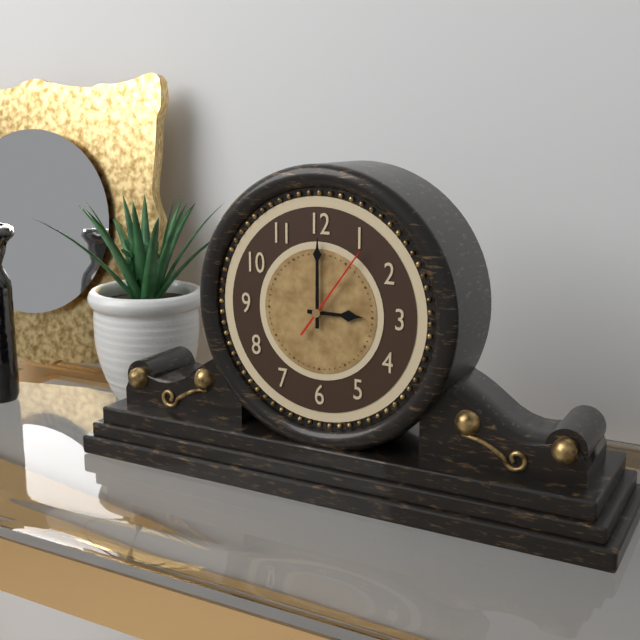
3 h 00 min 06 s
